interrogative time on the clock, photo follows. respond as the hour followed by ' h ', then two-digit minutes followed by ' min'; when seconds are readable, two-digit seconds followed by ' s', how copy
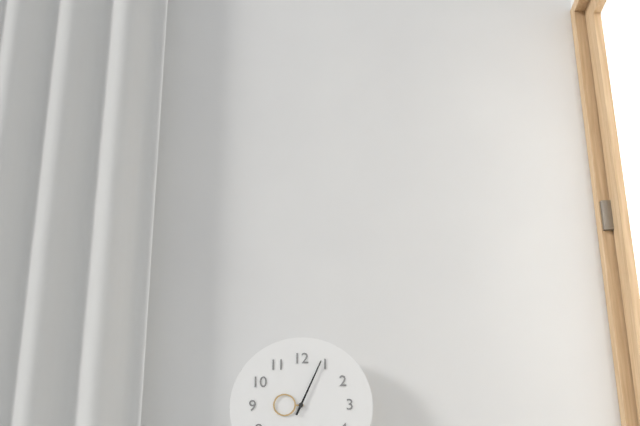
9 h 04 min
